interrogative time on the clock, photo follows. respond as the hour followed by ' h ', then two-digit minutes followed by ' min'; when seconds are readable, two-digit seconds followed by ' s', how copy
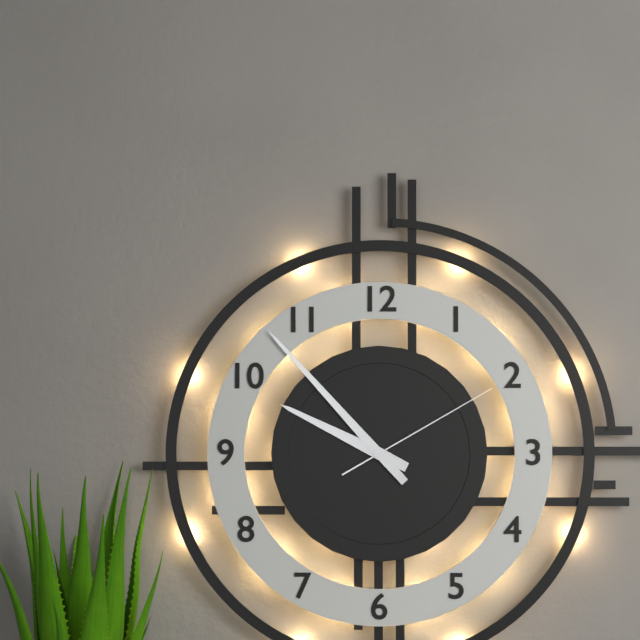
9 h 53 min 10 s
